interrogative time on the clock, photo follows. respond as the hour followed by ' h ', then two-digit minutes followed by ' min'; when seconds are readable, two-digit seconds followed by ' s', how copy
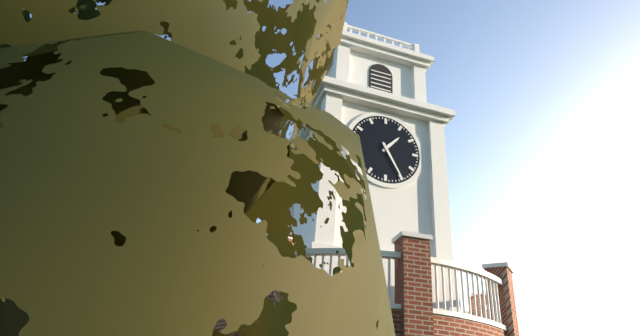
1 h 25 min
